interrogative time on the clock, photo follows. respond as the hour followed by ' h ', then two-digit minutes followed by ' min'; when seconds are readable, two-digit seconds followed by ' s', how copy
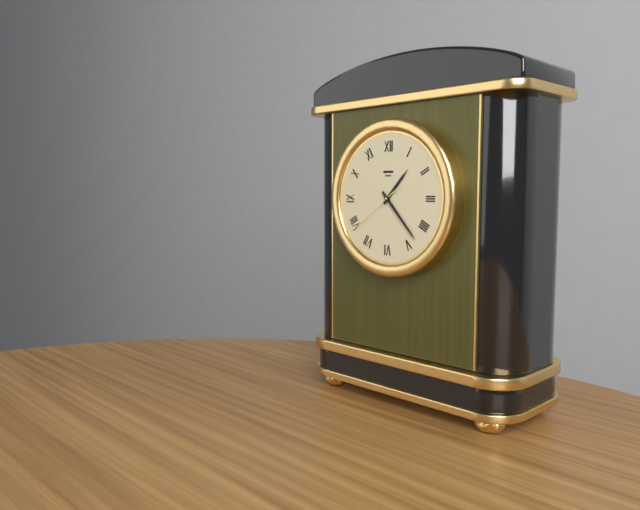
1 h 23 min 39 s
